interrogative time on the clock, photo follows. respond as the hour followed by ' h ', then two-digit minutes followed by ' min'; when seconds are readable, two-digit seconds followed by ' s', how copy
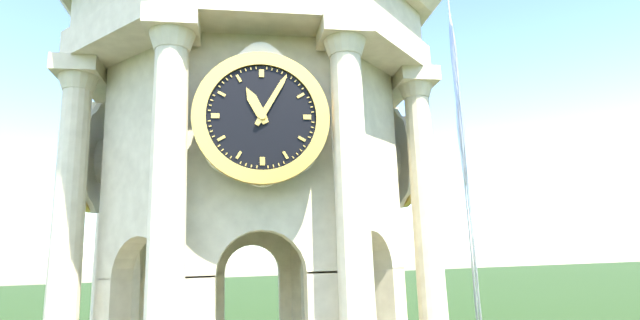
11 h 05 min
